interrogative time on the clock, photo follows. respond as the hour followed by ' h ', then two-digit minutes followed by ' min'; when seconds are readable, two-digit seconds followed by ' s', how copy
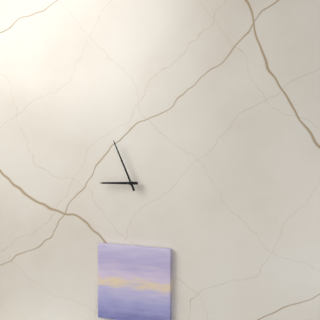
8 h 56 min
